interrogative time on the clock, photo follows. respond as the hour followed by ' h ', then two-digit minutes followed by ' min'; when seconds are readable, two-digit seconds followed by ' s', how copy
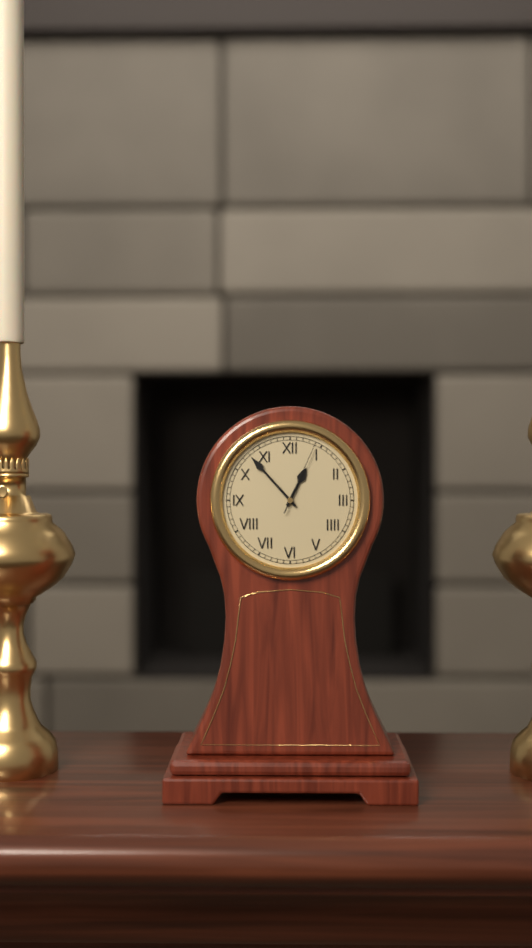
12 h 53 min 04 s
